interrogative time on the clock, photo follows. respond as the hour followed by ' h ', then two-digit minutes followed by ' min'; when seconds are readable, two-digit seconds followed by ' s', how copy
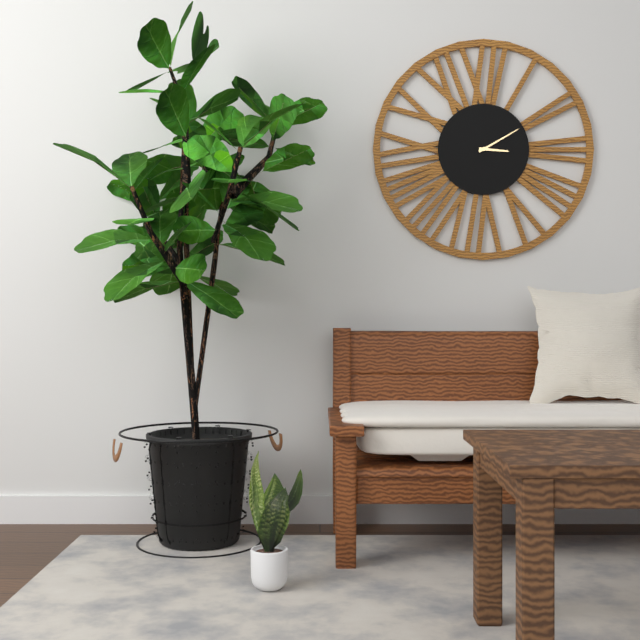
3 h 10 min
